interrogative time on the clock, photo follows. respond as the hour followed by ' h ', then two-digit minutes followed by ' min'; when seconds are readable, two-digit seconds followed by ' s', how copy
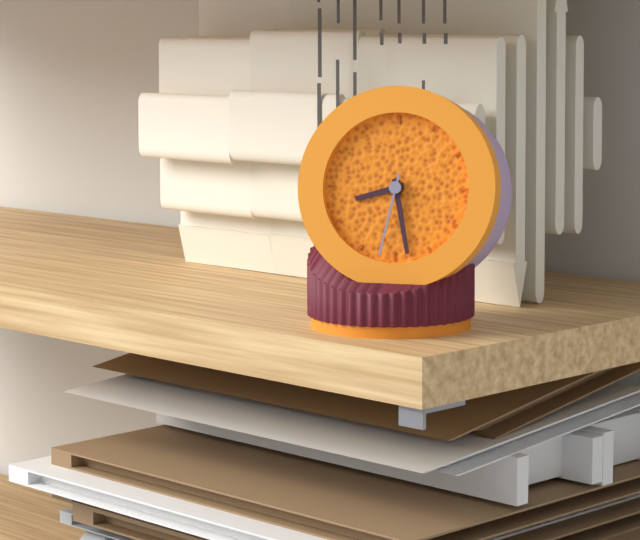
8 h 28 min 32 s
